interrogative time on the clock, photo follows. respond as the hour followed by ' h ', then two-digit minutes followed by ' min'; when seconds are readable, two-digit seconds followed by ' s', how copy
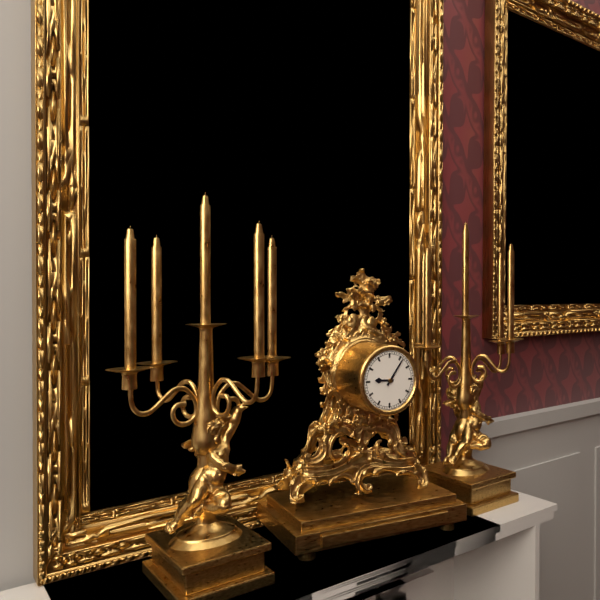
9 h 06 min
